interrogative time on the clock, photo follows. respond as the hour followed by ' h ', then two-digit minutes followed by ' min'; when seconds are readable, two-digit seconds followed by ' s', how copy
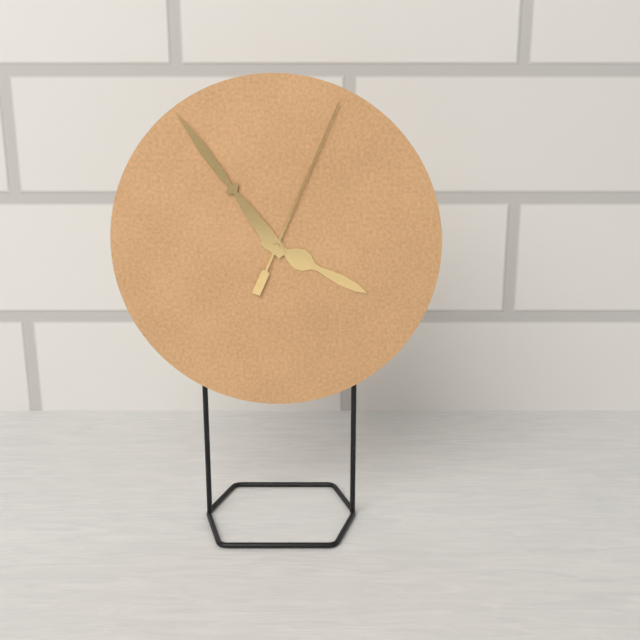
3 h 54 min 04 s
